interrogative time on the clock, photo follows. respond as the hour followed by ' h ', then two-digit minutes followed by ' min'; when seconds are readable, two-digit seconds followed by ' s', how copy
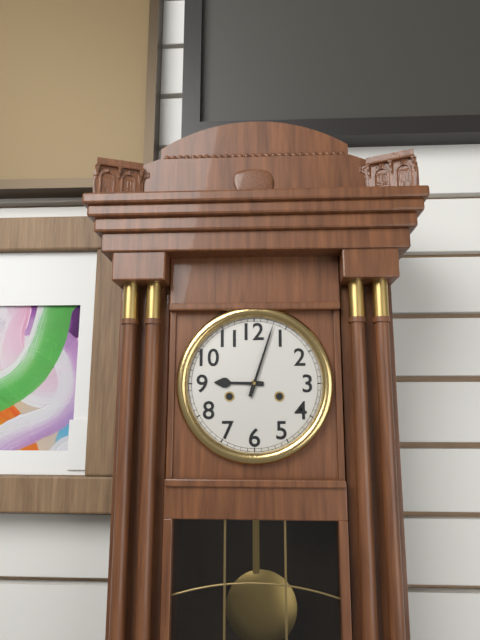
9 h 03 min
